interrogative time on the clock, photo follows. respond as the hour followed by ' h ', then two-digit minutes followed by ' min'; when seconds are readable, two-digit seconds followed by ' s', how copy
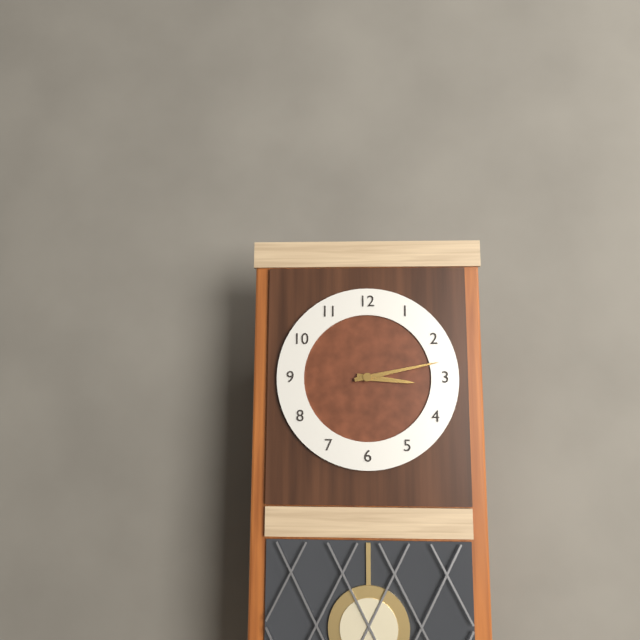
3 h 13 min
